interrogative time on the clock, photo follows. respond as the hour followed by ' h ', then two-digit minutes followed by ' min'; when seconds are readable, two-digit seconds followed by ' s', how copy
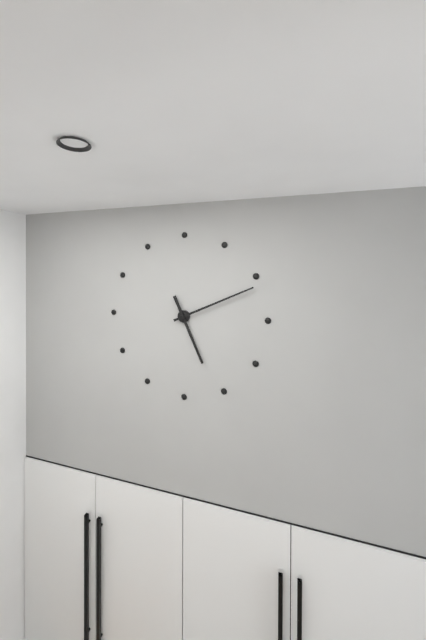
5 h 11 min
